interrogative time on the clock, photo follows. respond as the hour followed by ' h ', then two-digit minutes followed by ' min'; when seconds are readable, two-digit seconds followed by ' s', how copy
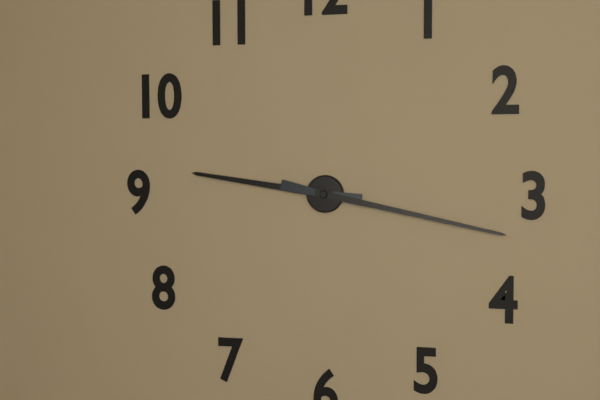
9 h 17 min
